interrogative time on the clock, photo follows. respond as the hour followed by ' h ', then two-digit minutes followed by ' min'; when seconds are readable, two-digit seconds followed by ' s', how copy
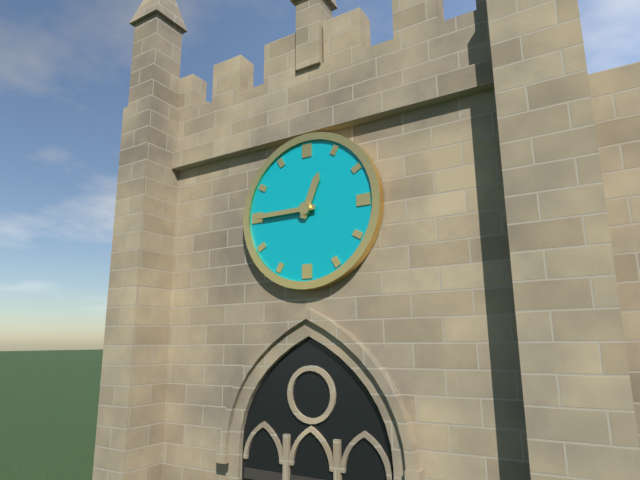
12 h 45 min
